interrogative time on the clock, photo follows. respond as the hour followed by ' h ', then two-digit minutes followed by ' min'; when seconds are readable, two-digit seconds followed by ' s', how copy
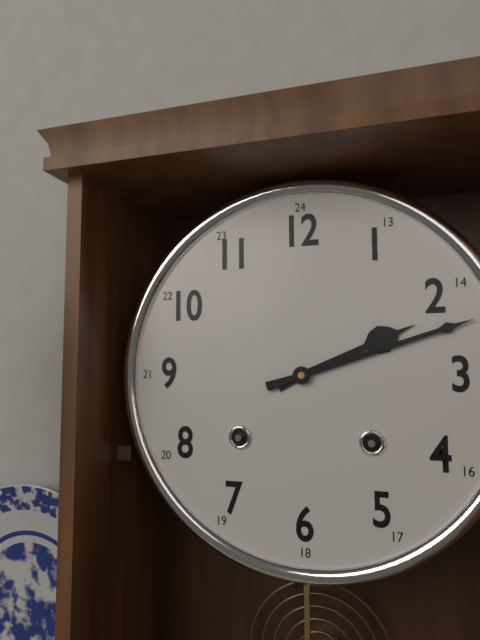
2 h 12 min
